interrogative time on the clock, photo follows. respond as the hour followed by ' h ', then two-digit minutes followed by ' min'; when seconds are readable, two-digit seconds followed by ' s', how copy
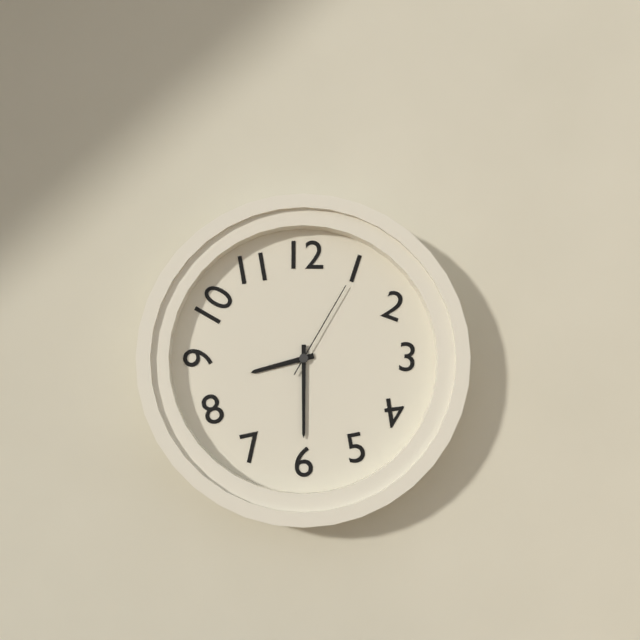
8 h 30 min 05 s
